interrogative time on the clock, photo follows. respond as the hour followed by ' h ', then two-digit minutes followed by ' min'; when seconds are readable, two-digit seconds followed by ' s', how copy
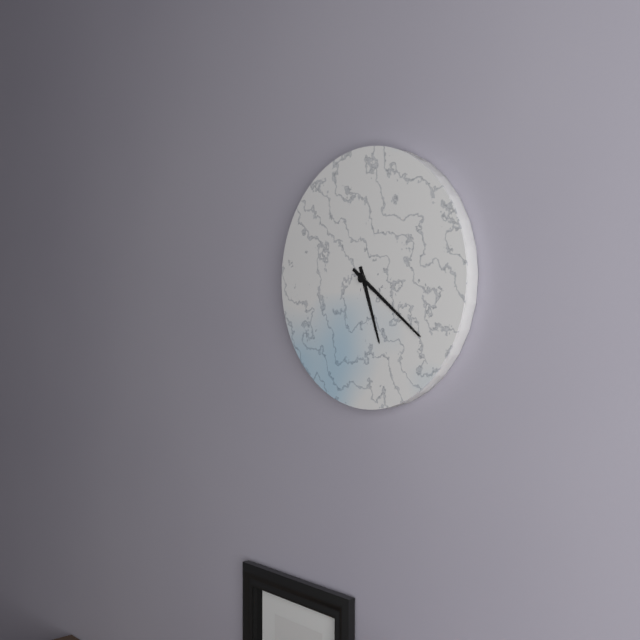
5 h 21 min
